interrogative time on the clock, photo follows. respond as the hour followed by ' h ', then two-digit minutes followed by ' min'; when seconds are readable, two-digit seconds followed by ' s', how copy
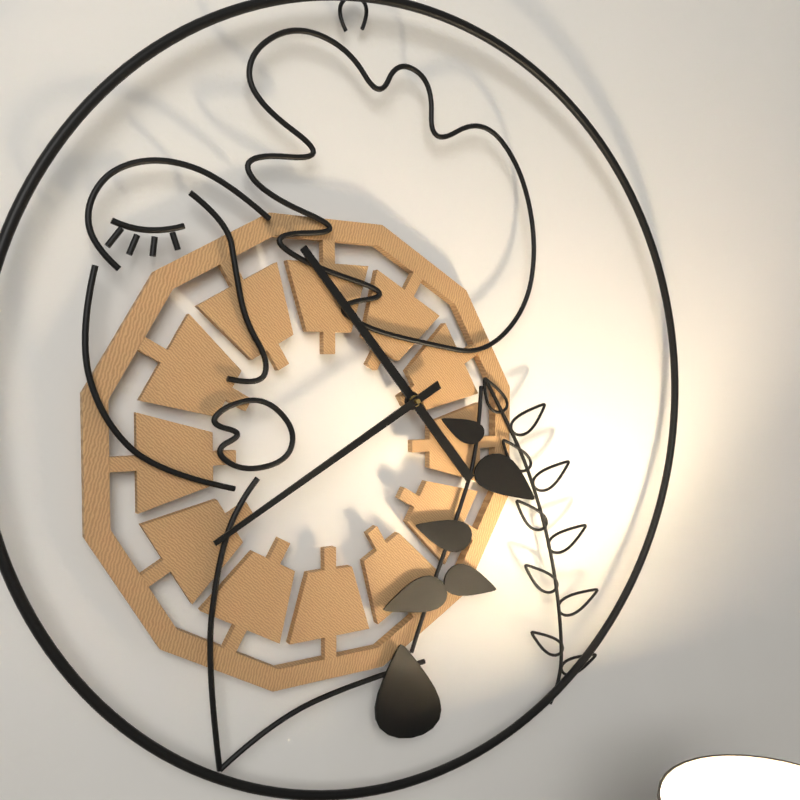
10 h 40 min
